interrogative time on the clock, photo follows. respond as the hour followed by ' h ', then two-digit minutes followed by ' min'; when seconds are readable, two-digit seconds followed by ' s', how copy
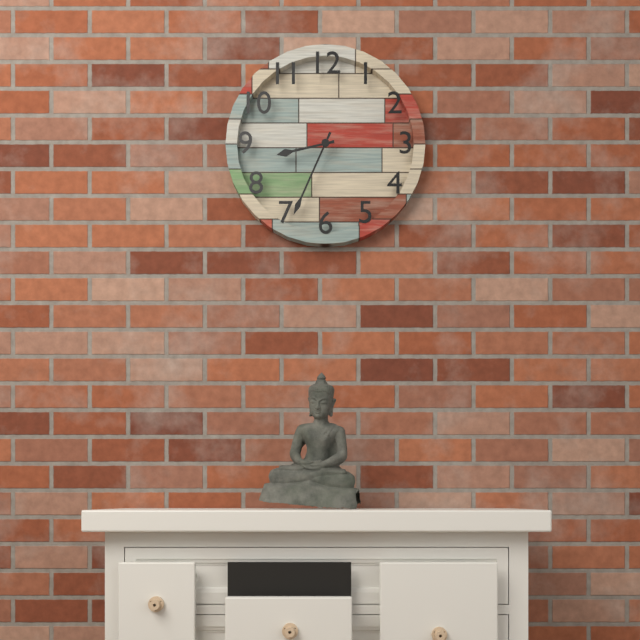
8 h 34 min
